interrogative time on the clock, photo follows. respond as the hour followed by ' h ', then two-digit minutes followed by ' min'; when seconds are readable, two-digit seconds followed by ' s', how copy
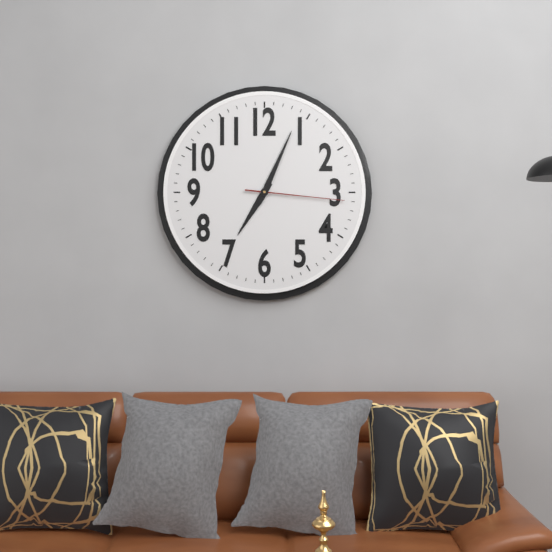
7 h 04 min 16 s
